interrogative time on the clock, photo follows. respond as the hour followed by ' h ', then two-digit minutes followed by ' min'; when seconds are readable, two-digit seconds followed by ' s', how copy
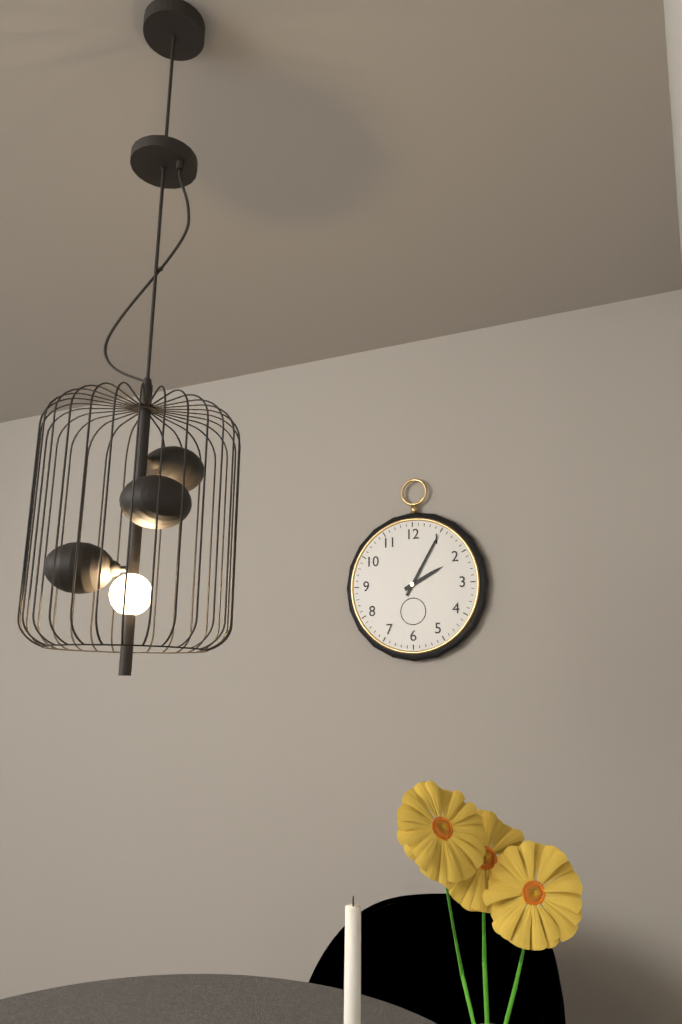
2 h 05 min
